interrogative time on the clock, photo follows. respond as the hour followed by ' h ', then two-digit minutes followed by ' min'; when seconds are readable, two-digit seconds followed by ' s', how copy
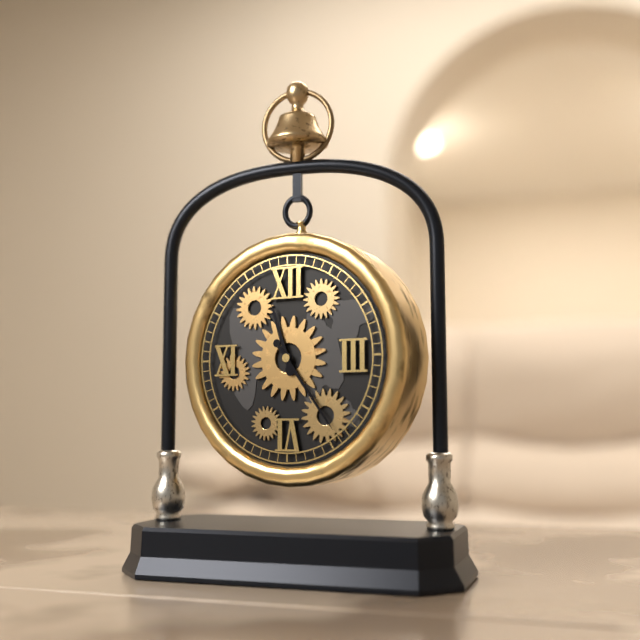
11 h 24 min
